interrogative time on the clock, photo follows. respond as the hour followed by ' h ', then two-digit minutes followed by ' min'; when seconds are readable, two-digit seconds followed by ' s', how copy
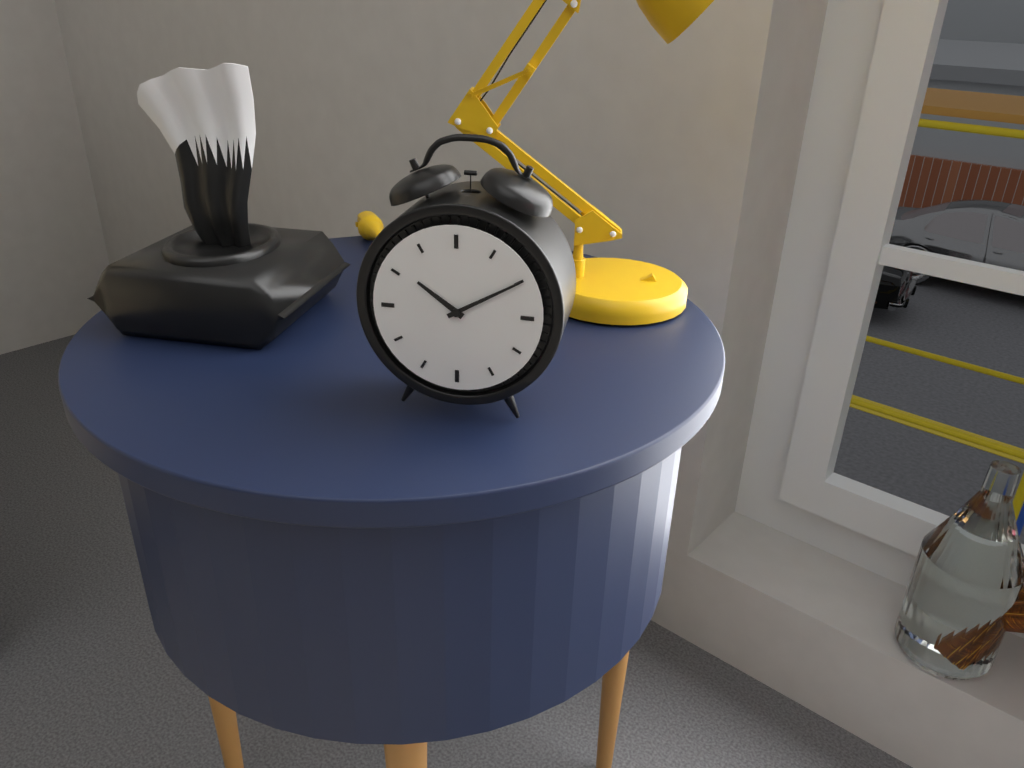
10 h 10 min
